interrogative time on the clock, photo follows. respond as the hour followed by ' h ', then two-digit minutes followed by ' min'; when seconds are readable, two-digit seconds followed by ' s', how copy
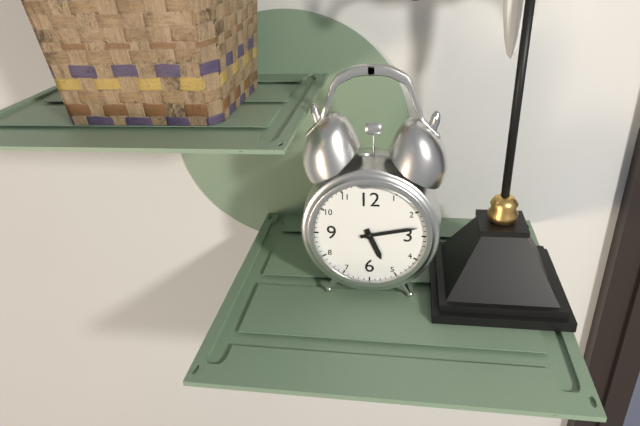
5 h 13 min
